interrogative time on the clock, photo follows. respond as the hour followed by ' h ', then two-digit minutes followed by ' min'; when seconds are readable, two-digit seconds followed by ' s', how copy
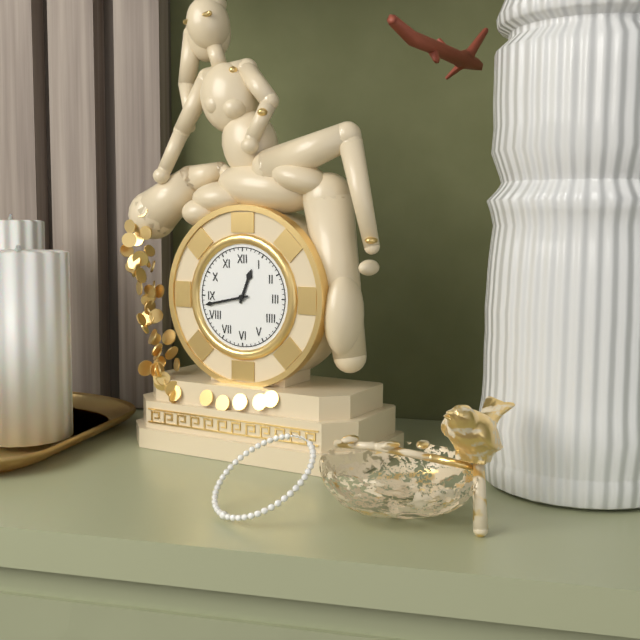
12 h 43 min
